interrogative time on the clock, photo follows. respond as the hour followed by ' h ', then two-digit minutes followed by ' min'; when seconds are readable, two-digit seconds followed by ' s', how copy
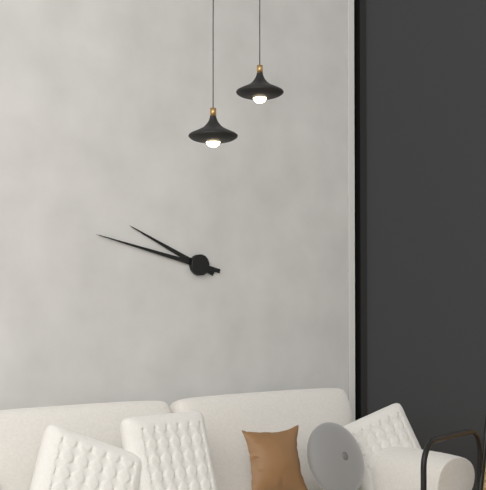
9 h 47 min
